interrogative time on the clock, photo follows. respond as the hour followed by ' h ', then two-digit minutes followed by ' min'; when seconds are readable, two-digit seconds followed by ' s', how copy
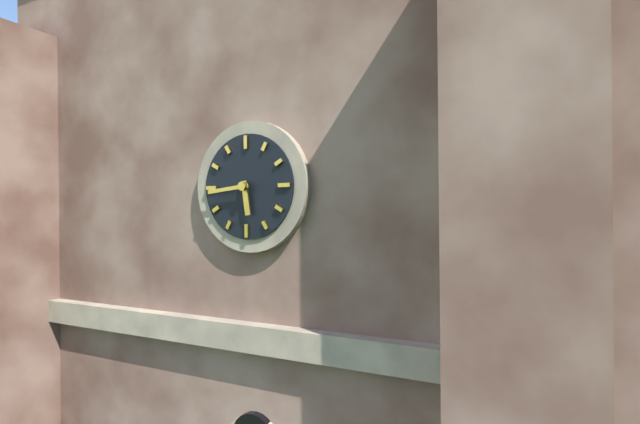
5 h 44 min
